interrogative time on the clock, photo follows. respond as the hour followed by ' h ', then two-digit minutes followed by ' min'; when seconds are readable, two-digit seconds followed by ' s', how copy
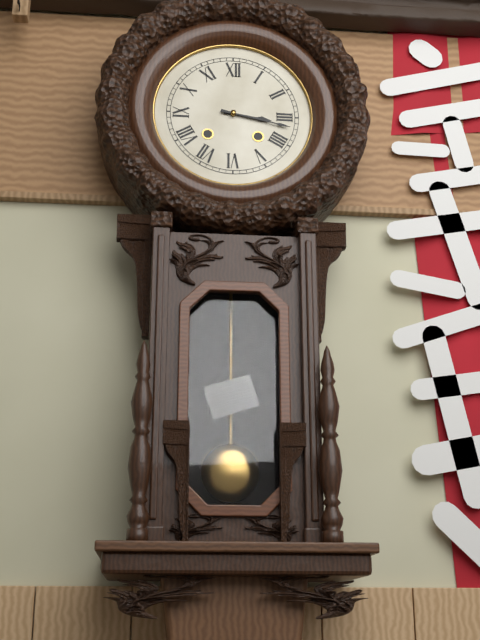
3 h 17 min
